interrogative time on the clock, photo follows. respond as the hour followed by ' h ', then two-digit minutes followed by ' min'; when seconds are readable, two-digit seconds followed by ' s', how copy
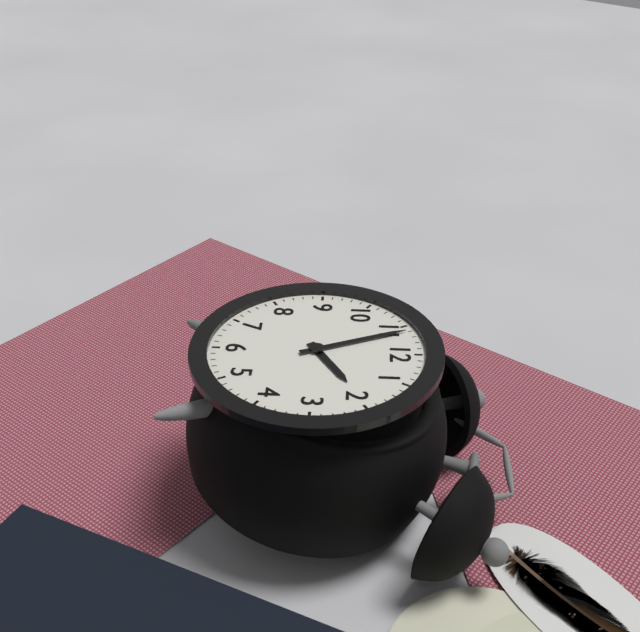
1 h 56 min
